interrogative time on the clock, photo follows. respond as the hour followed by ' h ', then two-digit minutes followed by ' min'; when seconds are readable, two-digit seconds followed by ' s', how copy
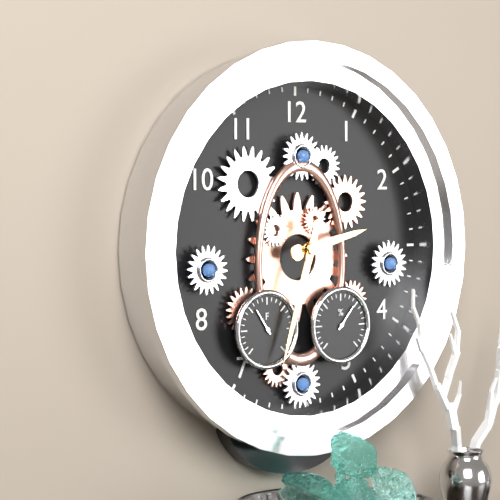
2 h 33 min
